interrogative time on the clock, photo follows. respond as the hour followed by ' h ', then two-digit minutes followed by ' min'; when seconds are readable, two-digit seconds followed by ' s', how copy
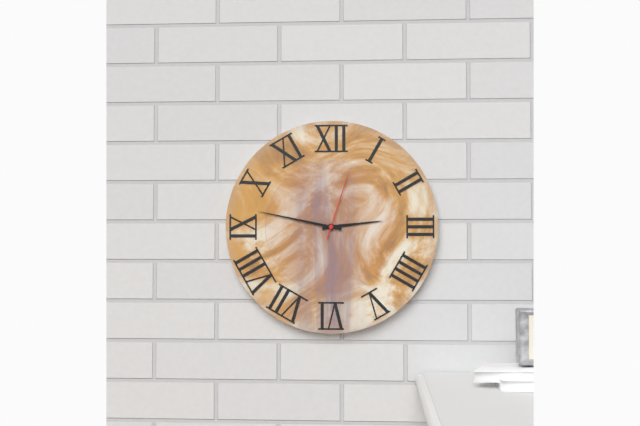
2 h 47 min 03 s
